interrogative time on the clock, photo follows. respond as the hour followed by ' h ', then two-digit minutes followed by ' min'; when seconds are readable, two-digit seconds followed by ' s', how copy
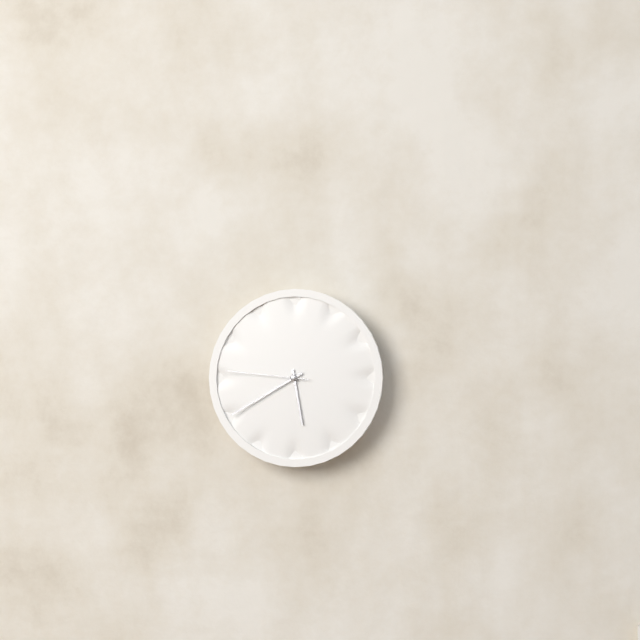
5 h 40 min 46 s
